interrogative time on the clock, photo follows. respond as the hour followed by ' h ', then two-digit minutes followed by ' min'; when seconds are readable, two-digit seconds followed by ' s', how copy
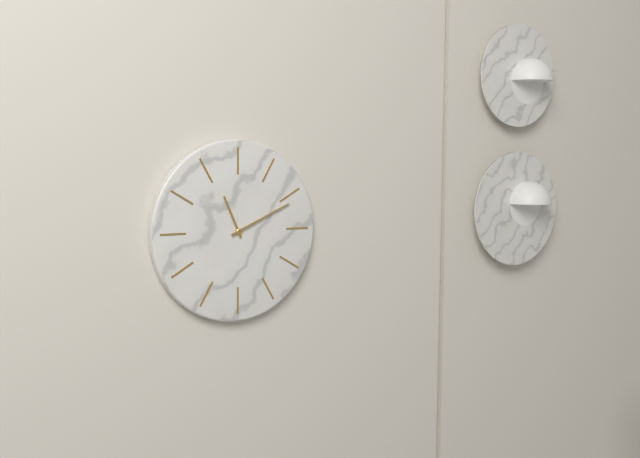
11 h 11 min
